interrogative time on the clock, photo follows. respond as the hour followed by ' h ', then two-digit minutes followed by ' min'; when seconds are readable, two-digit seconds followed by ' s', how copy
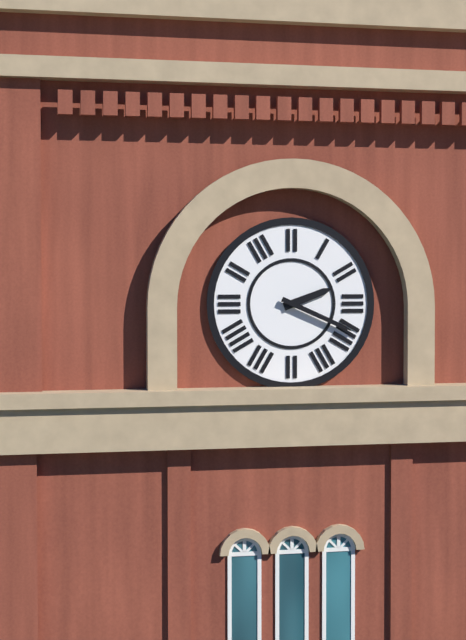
2 h 19 min
